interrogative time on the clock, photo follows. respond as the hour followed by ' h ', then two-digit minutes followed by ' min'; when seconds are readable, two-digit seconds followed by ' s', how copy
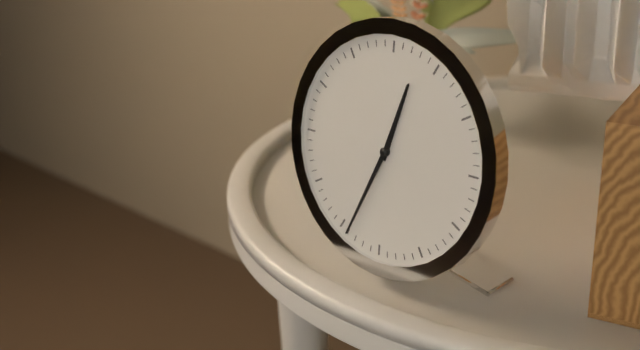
12 h 34 min
